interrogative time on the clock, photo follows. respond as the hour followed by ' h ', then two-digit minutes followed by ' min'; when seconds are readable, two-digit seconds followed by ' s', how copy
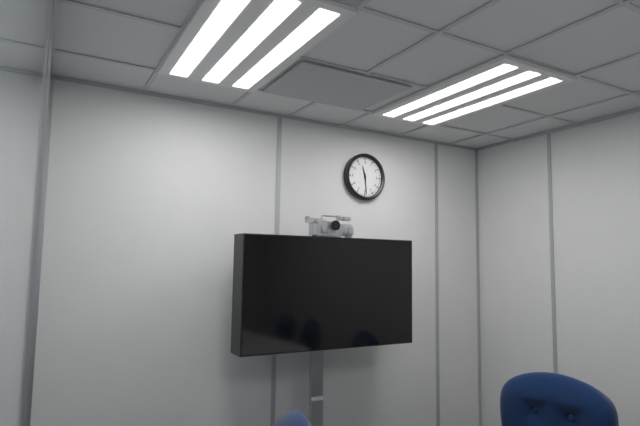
11 h 29 min
